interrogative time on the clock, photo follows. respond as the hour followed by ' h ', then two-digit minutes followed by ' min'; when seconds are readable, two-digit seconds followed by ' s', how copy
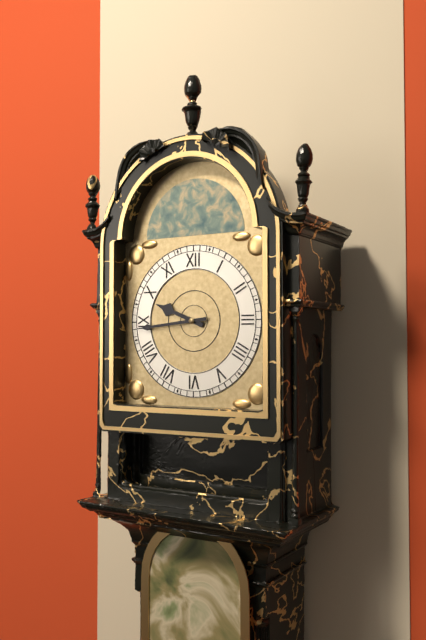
9 h 44 min
